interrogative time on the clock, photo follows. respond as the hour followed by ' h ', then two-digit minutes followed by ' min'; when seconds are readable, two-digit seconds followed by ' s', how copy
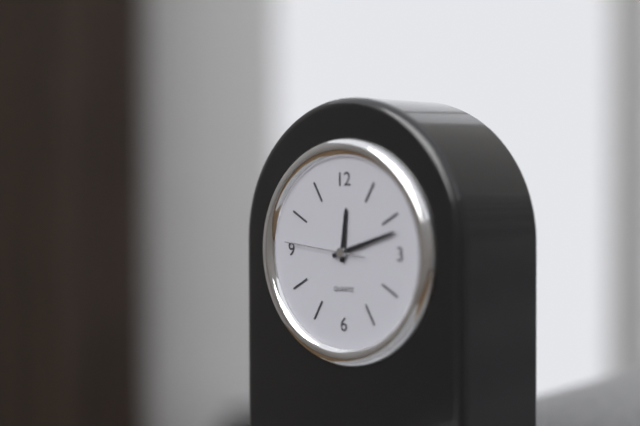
12 h 12 min 46 s
